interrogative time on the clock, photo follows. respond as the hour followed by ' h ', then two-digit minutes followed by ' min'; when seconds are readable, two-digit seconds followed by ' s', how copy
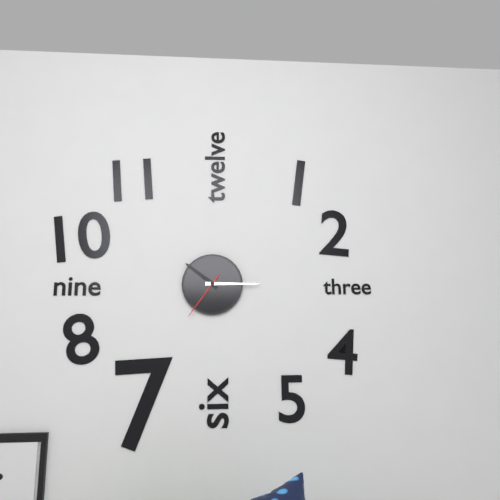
10 h 15 min 36 s
